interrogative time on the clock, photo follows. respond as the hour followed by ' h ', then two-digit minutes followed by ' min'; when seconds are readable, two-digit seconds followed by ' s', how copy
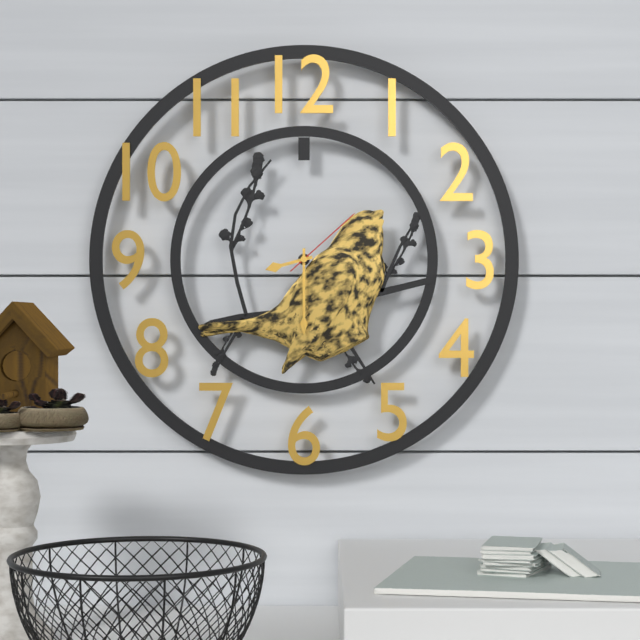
8 h 30 min 08 s
